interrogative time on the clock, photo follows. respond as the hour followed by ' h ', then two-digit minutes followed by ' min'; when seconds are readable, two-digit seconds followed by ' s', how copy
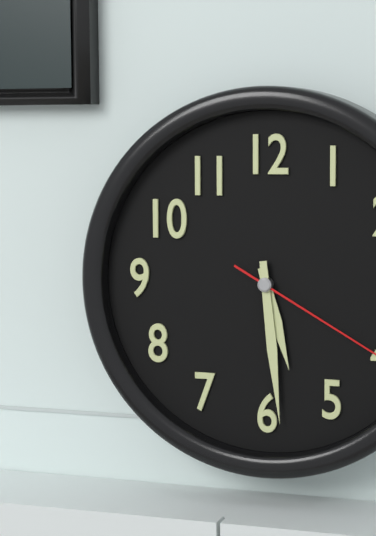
5 h 29 min
